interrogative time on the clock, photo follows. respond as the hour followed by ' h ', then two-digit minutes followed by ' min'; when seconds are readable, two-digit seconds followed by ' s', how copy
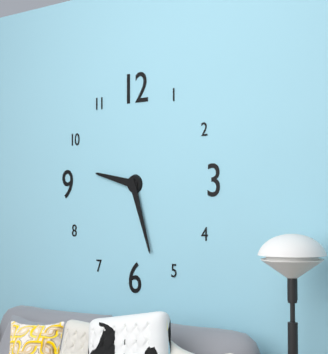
9 h 27 min
